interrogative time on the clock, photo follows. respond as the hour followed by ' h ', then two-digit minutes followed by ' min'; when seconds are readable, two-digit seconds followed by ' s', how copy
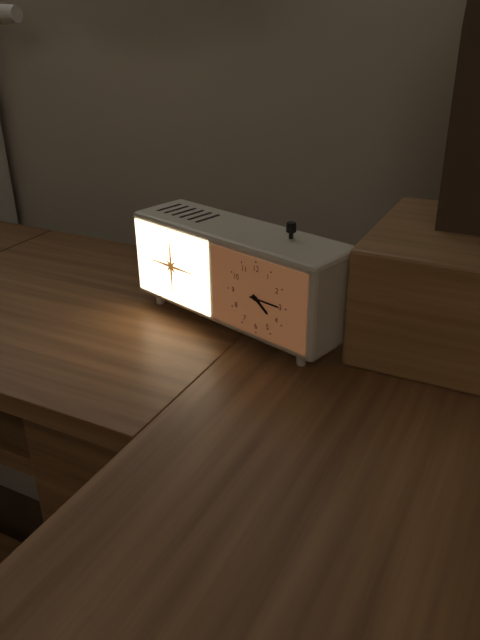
4 h 15 min
